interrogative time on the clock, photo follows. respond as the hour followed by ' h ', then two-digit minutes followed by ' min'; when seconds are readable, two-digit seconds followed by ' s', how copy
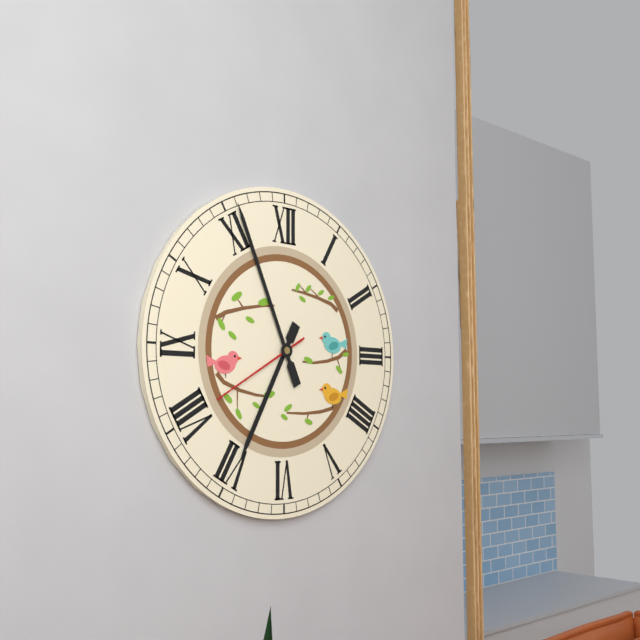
6 h 56 min 40 s
